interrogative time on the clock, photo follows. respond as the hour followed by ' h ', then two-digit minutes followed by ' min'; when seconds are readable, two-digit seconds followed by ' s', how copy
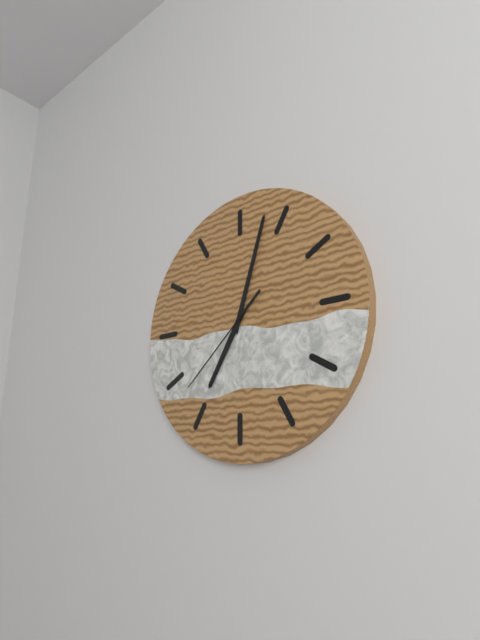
7 h 03 min 38 s
